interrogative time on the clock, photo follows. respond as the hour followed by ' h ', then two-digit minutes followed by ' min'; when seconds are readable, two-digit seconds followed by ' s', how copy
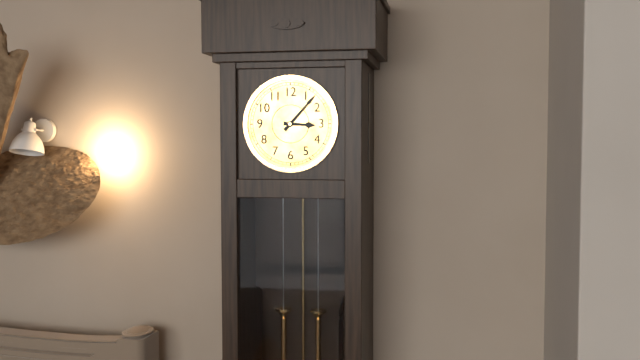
3 h 07 min
